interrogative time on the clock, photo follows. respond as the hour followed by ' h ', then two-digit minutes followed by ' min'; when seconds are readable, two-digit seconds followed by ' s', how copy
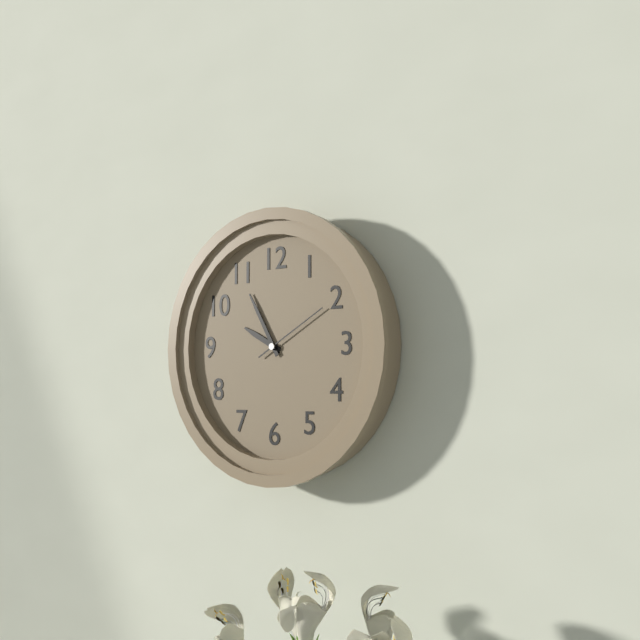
9 h 55 min 10 s
